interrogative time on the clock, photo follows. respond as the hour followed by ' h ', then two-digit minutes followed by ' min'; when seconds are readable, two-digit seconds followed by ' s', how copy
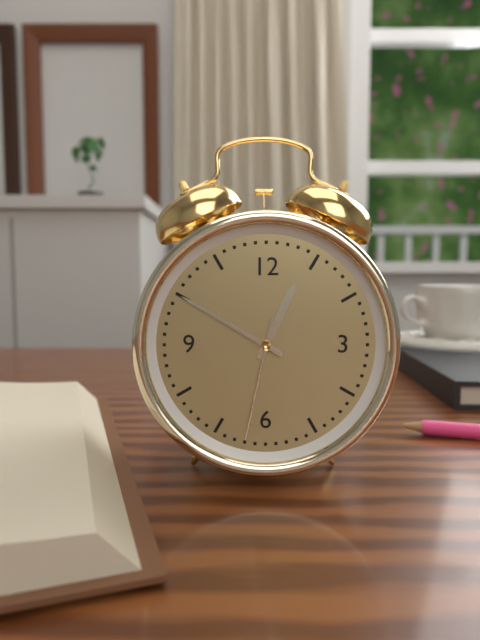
12 h 50 min 32 s
